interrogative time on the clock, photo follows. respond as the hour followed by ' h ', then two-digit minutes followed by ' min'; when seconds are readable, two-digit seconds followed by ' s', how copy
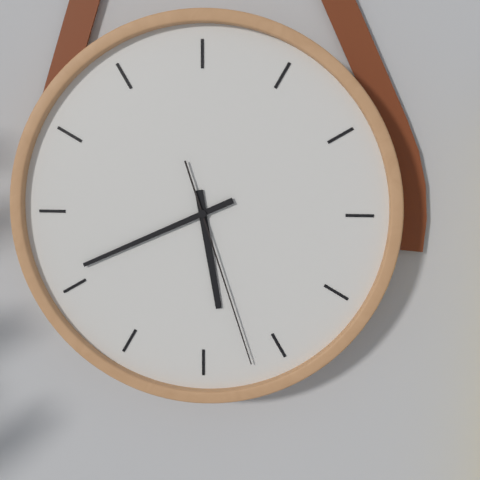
5 h 41 min 27 s
